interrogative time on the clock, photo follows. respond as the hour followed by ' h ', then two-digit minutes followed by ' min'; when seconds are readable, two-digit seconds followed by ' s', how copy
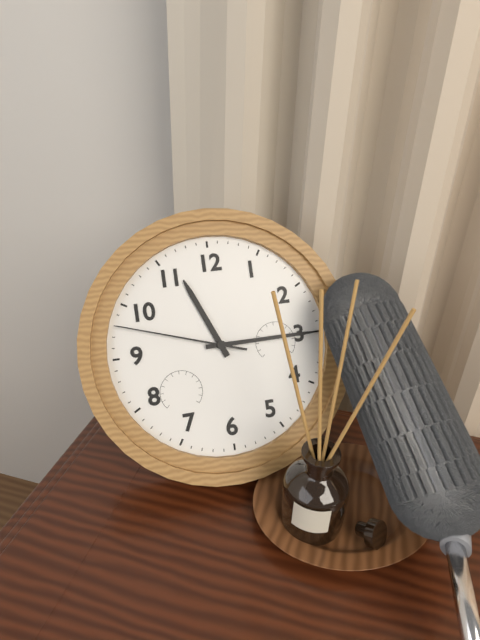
11 h 15 min 48 s
